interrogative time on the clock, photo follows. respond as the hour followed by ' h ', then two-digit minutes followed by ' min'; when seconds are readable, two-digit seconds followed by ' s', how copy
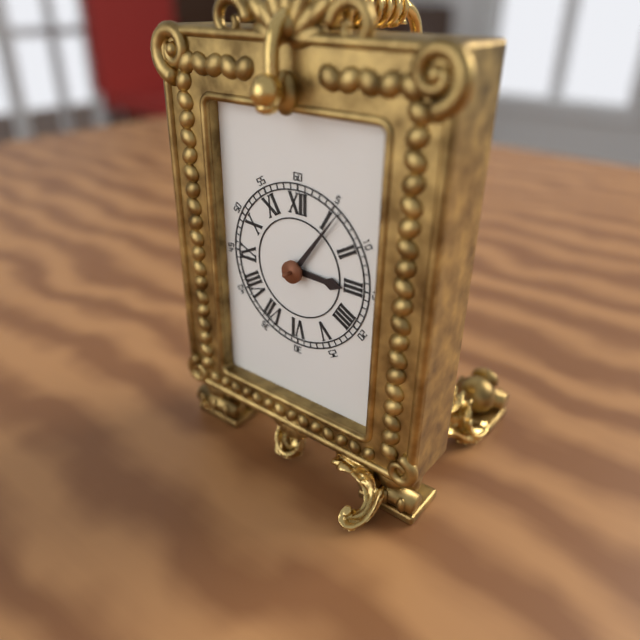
3 h 06 min
